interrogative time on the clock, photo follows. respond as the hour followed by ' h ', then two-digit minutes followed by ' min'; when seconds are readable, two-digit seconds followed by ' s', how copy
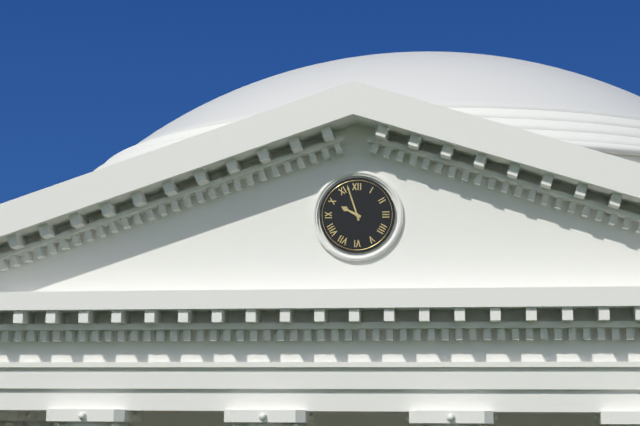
9 h 57 min
